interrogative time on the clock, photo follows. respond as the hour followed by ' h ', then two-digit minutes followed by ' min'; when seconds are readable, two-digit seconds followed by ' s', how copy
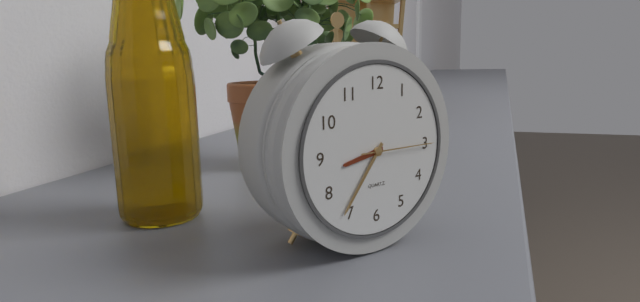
8 h 36 min 15 s
